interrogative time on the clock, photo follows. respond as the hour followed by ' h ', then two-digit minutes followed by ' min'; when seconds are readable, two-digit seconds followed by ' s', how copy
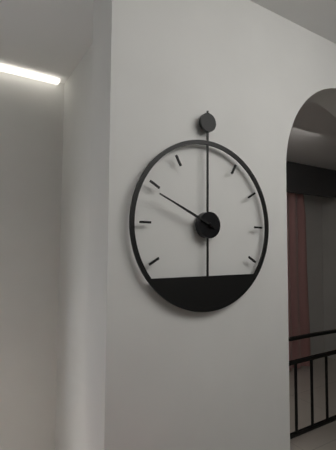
9 h 49 min
